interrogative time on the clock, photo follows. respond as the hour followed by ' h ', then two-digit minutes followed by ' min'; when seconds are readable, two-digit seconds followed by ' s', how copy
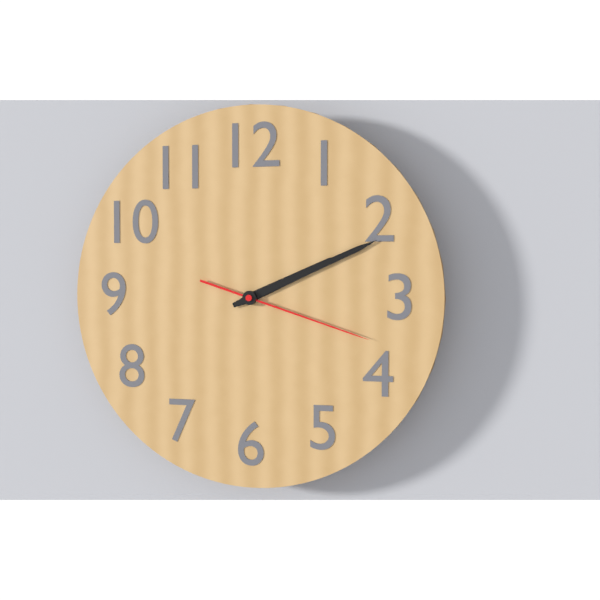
2 h 11 min 18 s
